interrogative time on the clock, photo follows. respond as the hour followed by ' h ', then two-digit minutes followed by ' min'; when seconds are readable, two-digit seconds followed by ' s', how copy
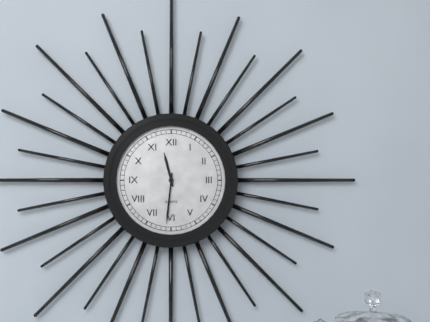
11 h 31 min
